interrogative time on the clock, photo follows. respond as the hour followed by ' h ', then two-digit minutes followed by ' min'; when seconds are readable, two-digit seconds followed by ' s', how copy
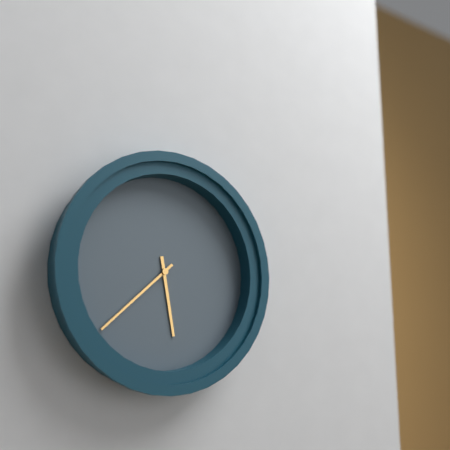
5 h 38 min
